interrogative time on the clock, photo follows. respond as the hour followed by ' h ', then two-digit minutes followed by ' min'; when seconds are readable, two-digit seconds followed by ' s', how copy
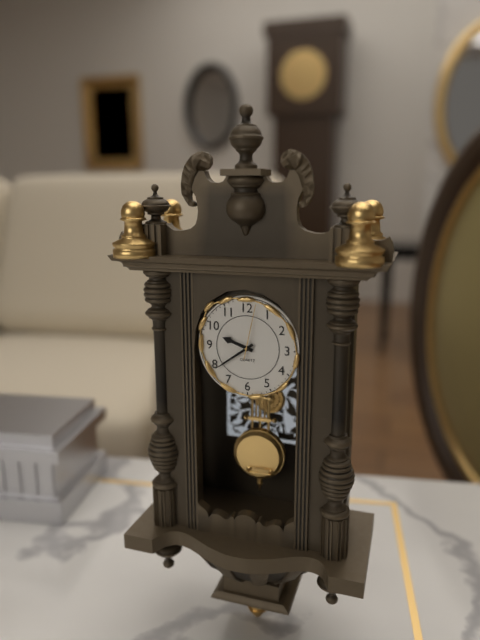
9 h 39 min 02 s
